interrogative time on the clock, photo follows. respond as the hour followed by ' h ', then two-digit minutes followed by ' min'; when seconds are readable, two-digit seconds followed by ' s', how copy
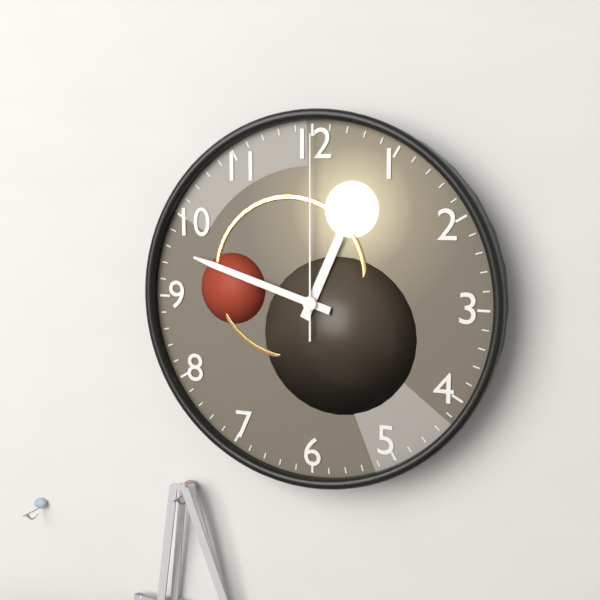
12 h 48 min 00 s
